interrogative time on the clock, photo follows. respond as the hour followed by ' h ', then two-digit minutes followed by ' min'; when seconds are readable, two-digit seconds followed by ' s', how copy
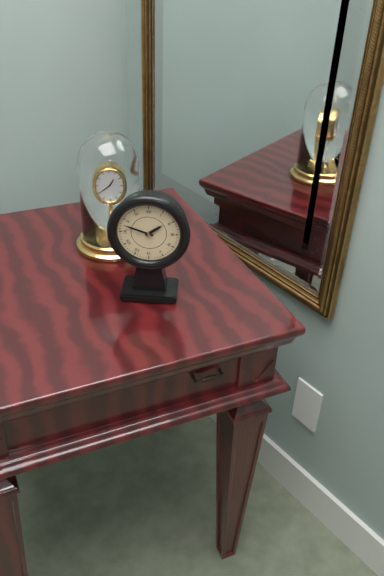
1 h 48 min
